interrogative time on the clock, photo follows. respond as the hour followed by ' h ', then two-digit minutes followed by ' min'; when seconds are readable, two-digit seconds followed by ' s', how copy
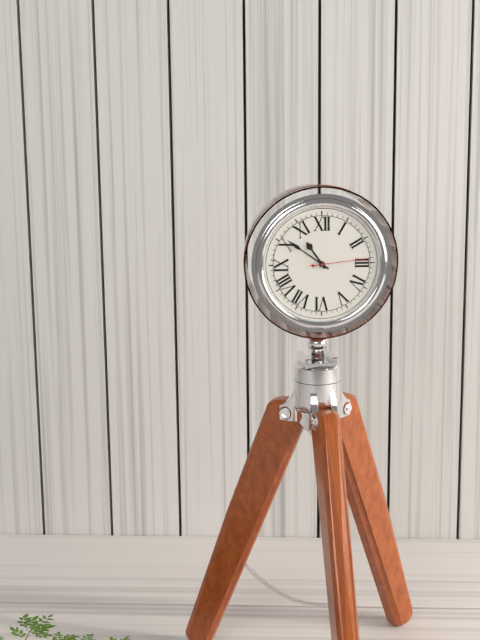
10 h 51 min 14 s
